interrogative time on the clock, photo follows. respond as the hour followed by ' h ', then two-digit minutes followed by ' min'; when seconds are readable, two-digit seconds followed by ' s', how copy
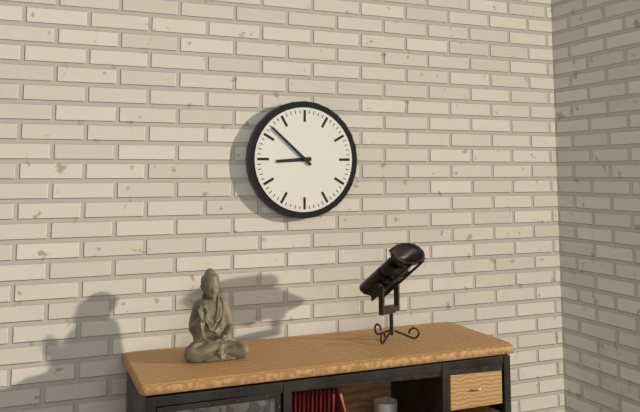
8 h 52 min
